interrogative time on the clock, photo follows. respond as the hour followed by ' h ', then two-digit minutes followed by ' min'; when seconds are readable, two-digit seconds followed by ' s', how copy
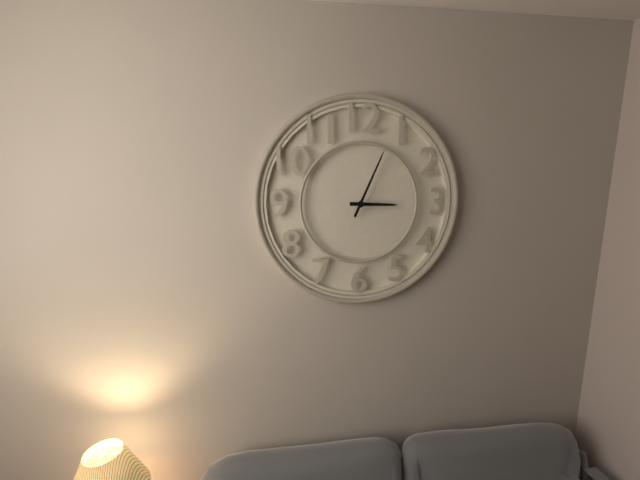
3 h 04 min
